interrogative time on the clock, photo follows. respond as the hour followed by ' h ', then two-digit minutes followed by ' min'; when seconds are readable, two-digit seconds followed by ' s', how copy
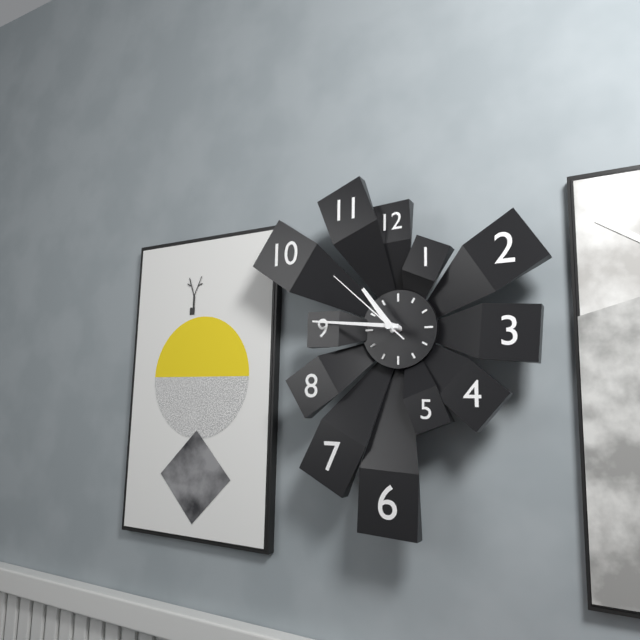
10 h 46 min 52 s
